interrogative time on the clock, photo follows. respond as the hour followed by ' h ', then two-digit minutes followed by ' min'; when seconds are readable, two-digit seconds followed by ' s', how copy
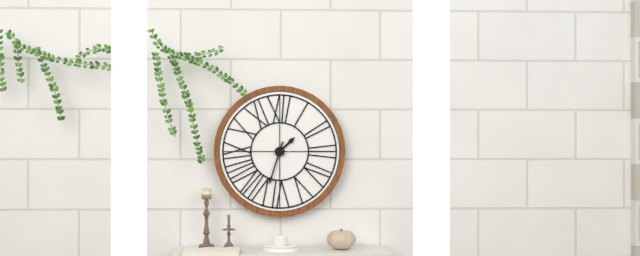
1 h 33 min
